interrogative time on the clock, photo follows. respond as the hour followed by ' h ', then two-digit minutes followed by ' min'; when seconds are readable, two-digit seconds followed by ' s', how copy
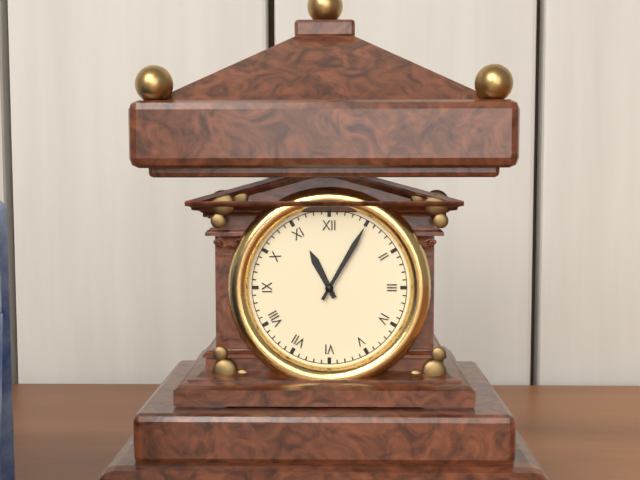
11 h 05 min
